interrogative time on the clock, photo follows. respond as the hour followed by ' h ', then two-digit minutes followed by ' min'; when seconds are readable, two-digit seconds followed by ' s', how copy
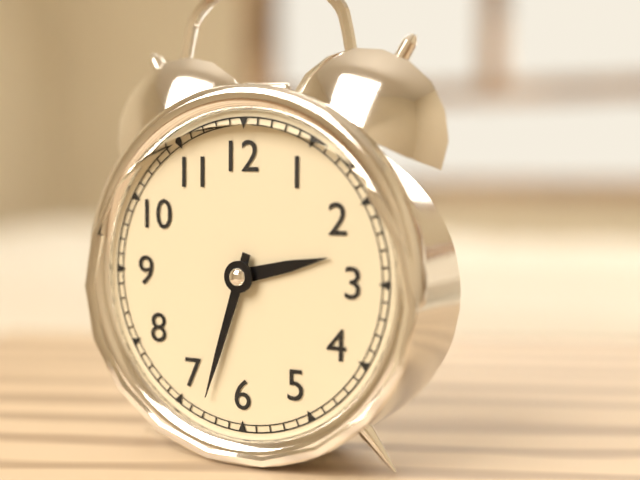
2 h 33 min
